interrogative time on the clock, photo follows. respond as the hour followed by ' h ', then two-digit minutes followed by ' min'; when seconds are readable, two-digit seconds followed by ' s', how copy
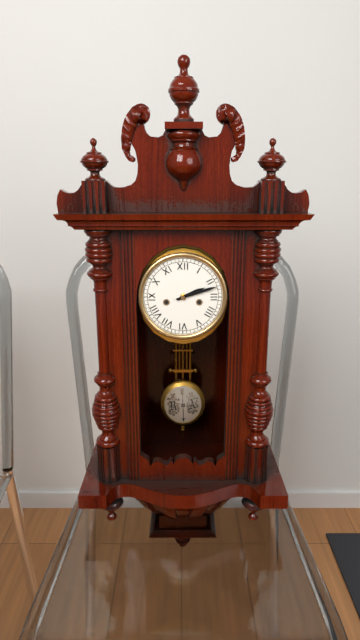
2 h 12 min
